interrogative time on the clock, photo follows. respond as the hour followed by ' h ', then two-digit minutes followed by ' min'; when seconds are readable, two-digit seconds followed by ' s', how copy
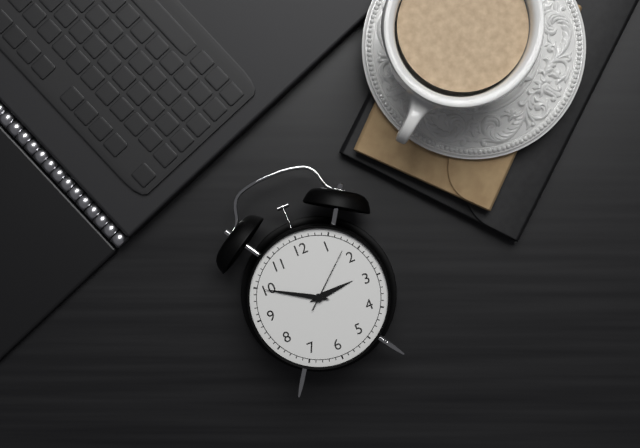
2 h 50 min 08 s
